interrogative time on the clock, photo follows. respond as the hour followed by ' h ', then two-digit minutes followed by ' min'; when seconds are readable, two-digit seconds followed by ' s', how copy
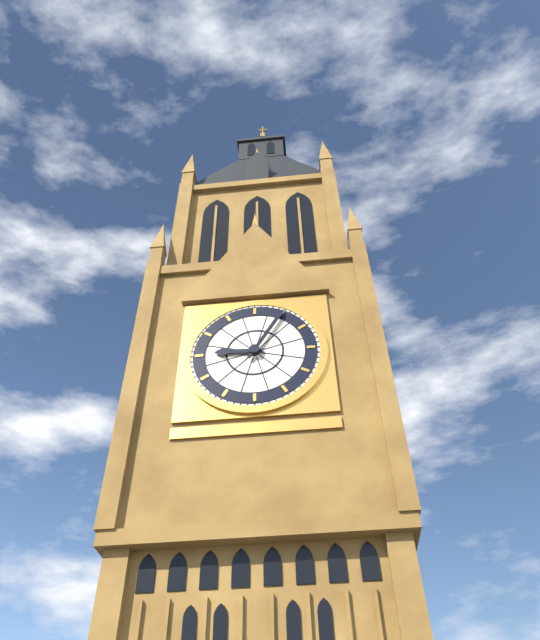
9 h 05 min
